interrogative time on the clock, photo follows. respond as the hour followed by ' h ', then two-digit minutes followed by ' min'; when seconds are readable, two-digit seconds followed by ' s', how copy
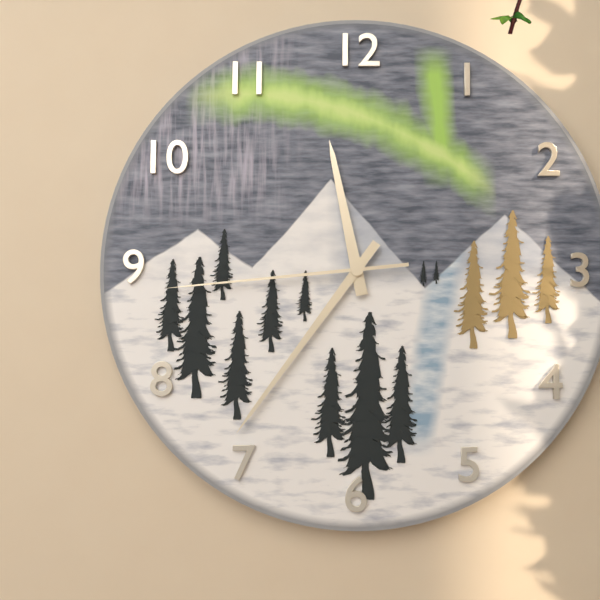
11 h 36 min 44 s
